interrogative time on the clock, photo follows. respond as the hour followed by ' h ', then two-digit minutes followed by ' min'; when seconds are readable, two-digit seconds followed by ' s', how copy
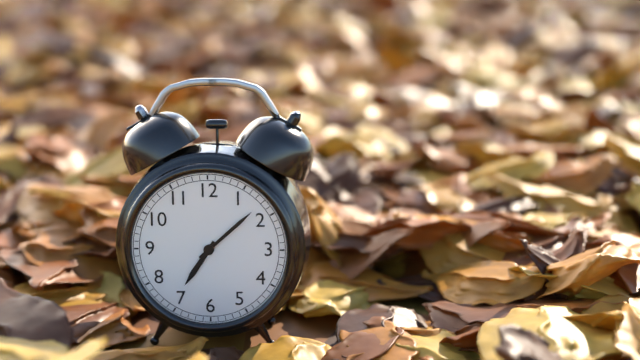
7 h 08 min
